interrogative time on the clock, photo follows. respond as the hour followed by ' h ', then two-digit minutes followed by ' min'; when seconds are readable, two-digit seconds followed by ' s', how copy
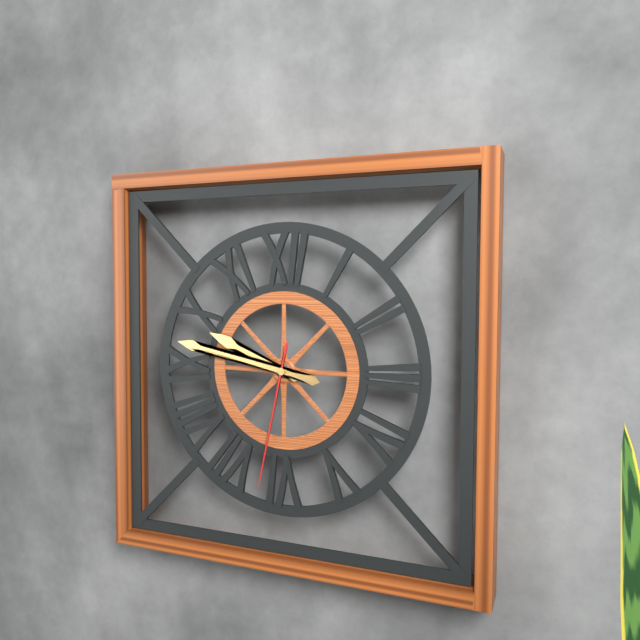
9 h 47 min 32 s
